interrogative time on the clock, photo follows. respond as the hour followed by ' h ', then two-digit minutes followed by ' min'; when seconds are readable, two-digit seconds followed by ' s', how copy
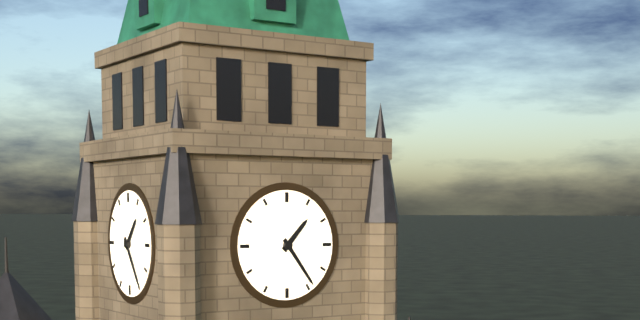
1 h 24 min
